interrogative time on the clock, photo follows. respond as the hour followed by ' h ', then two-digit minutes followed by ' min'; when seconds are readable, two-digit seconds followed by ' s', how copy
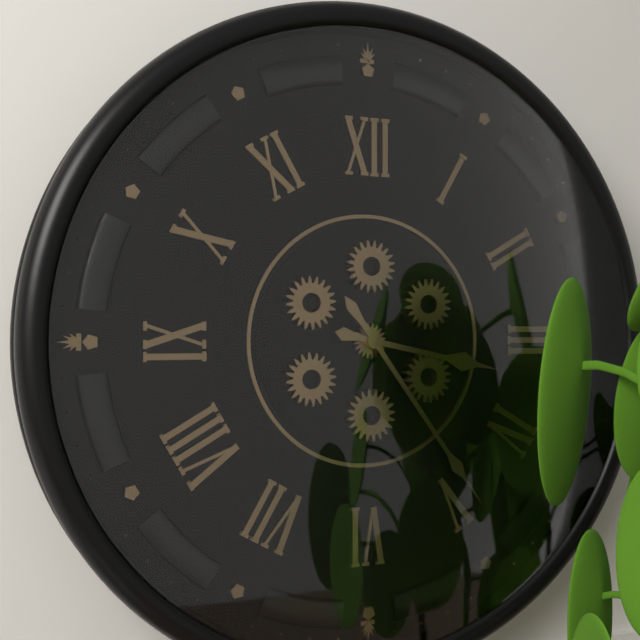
3 h 24 min
